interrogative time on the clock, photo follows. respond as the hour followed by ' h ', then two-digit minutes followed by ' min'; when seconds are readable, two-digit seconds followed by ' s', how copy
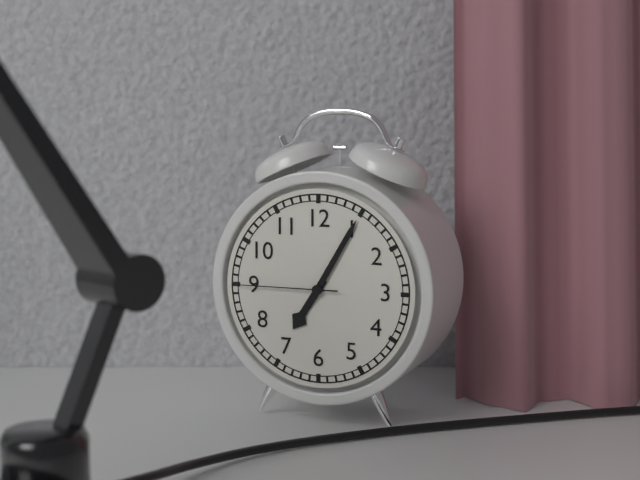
7 h 05 min 45 s
